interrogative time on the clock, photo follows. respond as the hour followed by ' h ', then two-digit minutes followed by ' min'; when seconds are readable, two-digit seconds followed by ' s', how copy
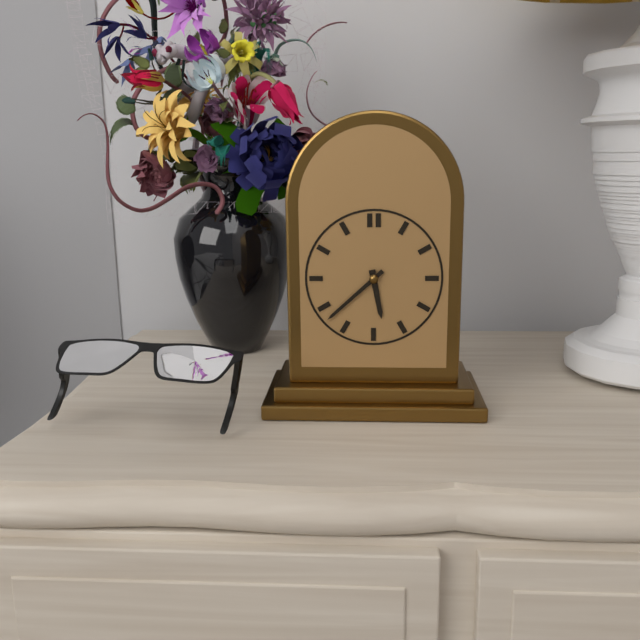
5 h 38 min
